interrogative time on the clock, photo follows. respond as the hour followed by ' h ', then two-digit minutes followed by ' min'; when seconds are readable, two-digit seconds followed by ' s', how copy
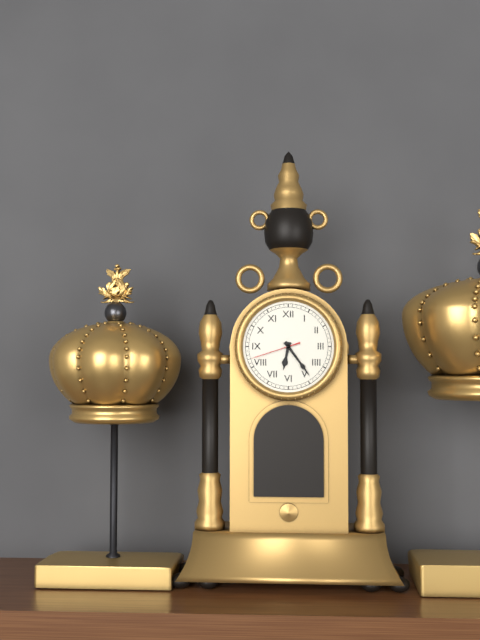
6 h 24 min
